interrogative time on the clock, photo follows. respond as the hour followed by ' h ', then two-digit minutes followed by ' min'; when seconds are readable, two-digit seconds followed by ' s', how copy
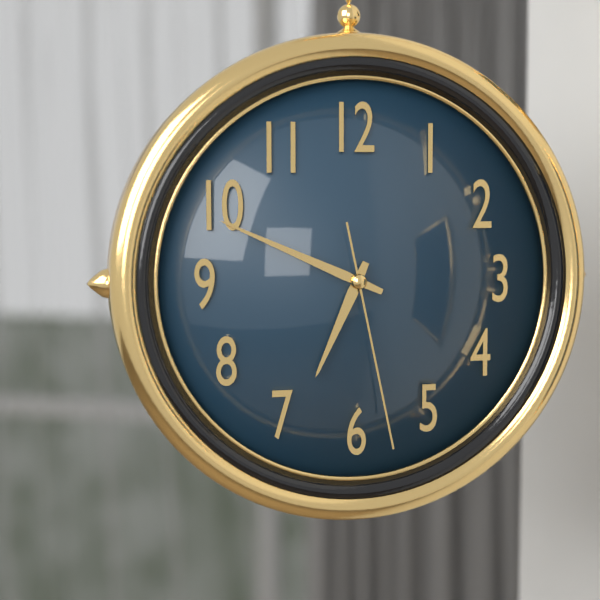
6 h 49 min 28 s
